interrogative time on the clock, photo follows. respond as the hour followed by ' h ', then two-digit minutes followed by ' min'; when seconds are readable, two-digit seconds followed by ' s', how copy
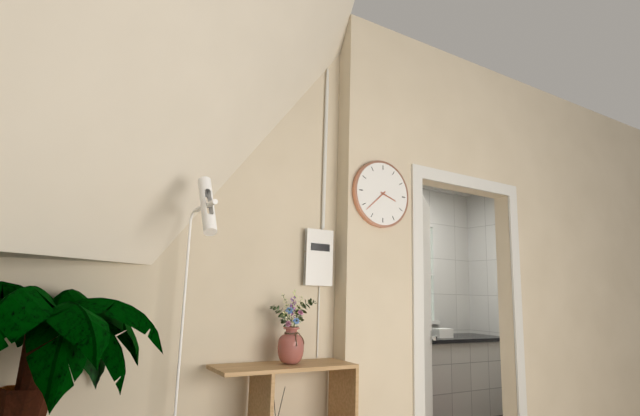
3 h 38 min
